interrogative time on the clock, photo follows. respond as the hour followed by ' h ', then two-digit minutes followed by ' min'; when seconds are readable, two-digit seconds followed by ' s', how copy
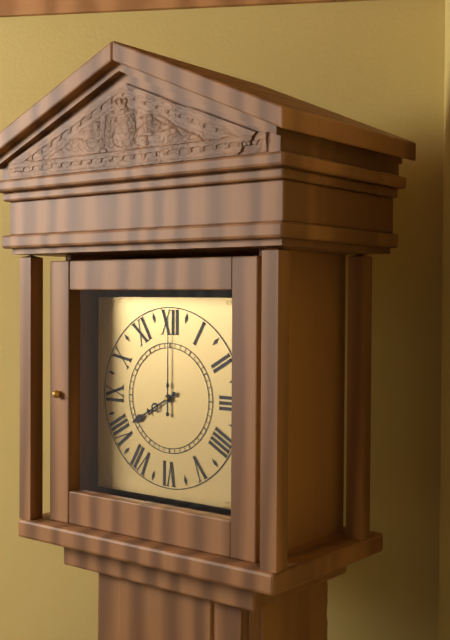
8 h 00 min
